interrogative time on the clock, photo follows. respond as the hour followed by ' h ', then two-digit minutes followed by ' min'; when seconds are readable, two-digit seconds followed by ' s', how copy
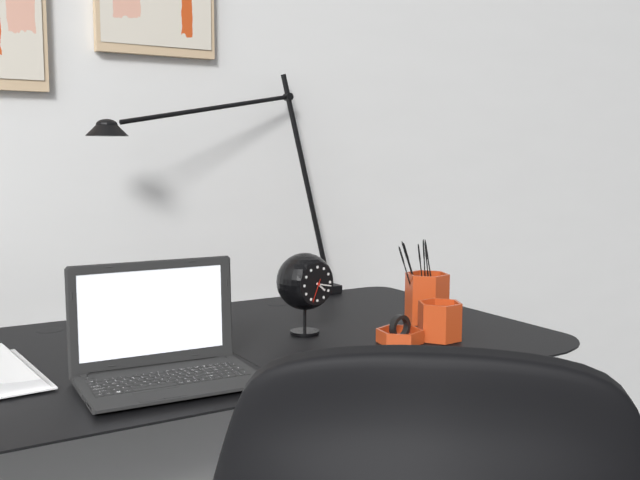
4 h 17 min
